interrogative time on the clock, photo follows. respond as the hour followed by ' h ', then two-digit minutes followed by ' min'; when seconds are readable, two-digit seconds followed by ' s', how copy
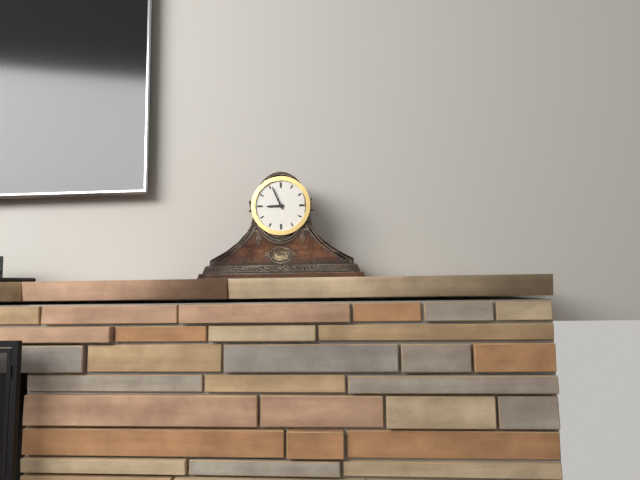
8 h 56 min
